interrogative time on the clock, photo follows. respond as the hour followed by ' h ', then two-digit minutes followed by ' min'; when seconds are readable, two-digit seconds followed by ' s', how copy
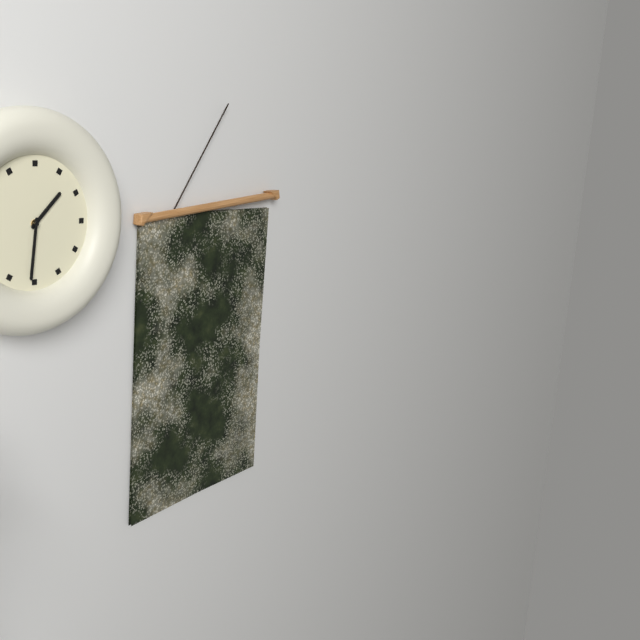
1 h 31 min
